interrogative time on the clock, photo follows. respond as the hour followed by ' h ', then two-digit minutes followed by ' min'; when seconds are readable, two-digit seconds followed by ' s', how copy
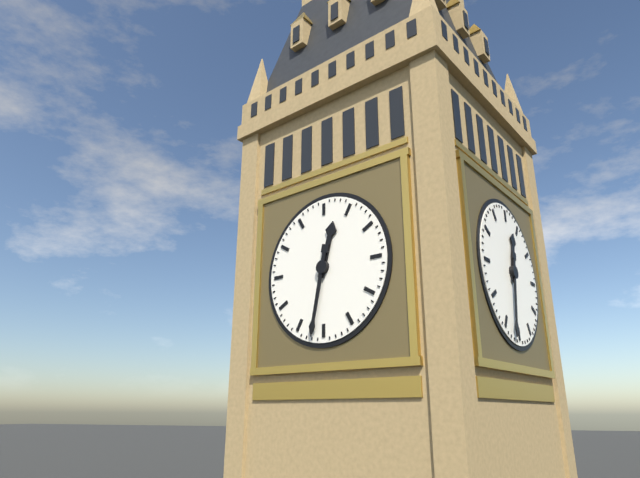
12 h 32 min
